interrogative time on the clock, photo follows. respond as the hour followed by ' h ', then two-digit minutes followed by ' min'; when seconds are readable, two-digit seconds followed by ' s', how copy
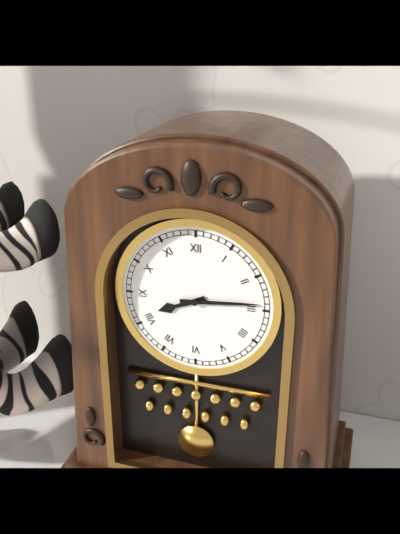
8 h 14 min
